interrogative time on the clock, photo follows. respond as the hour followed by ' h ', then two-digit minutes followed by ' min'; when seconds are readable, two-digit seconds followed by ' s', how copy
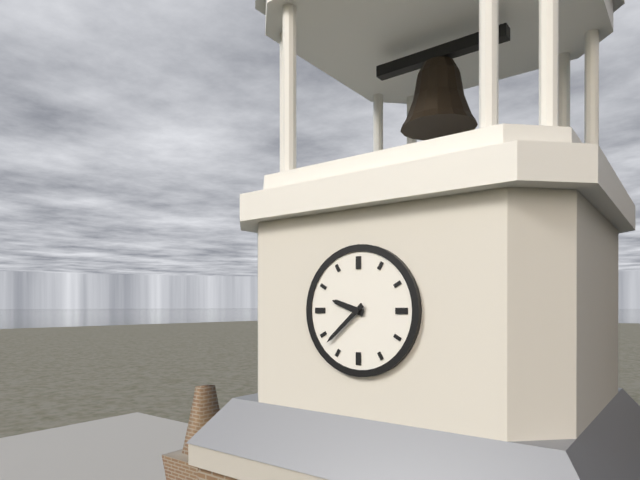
9 h 38 min
